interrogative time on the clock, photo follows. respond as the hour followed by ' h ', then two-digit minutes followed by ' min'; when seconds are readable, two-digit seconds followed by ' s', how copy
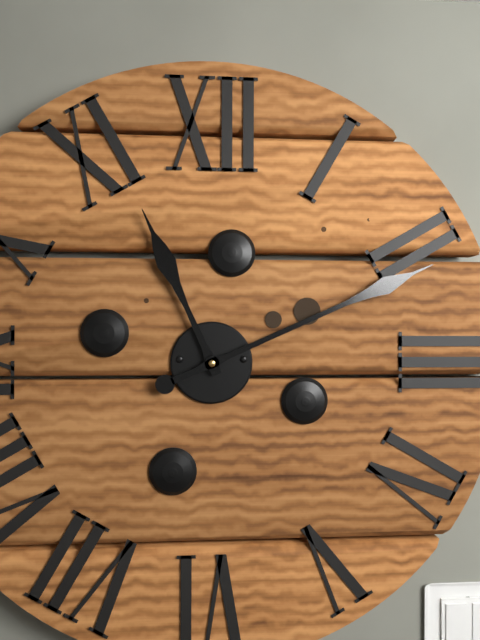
11 h 11 min
